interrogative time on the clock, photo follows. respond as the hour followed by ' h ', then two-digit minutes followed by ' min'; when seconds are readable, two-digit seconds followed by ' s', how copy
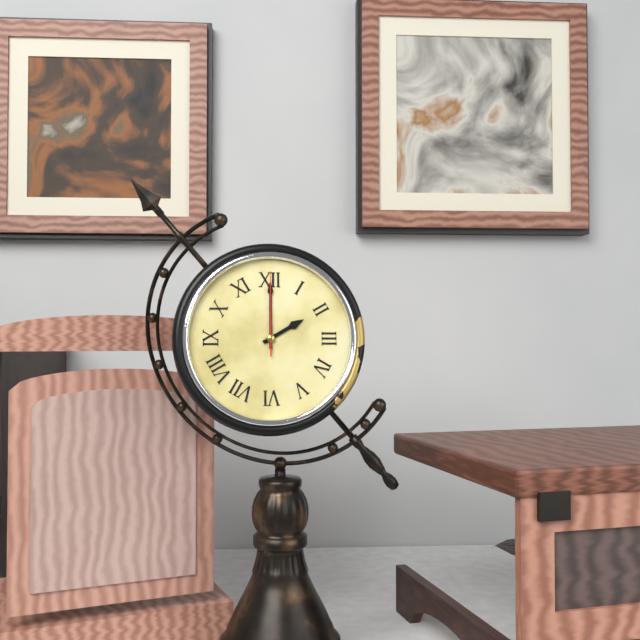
2 h 00 min 00 s
